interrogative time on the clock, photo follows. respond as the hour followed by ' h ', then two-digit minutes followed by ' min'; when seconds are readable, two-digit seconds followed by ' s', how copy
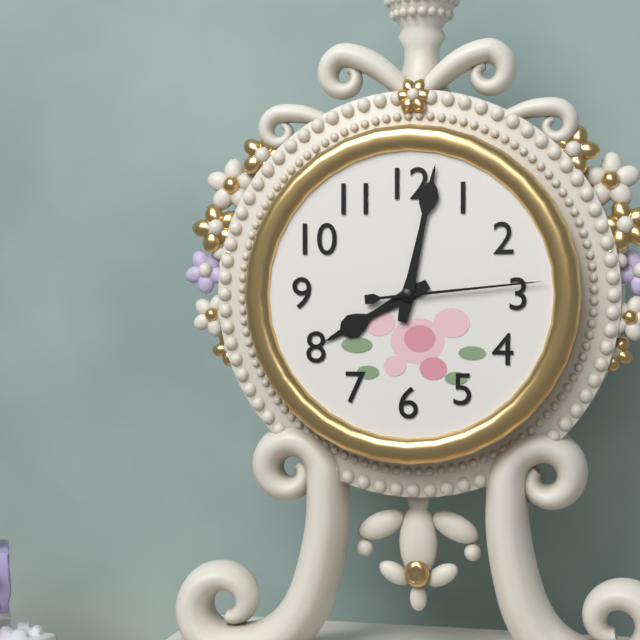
8 h 02 min 14 s
